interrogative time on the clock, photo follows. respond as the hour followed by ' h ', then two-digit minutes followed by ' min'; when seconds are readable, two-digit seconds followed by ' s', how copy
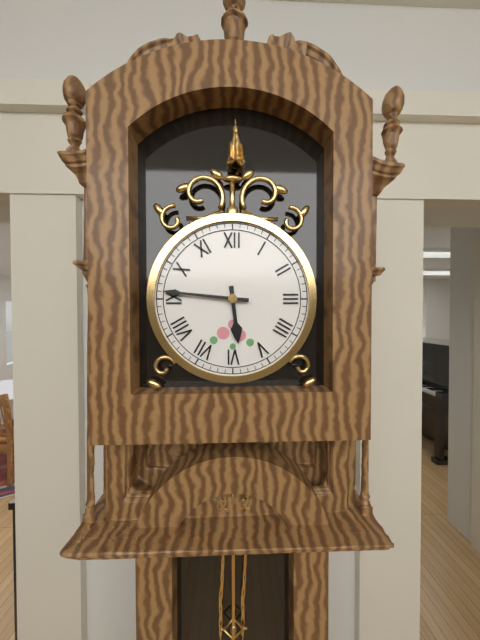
5 h 46 min
